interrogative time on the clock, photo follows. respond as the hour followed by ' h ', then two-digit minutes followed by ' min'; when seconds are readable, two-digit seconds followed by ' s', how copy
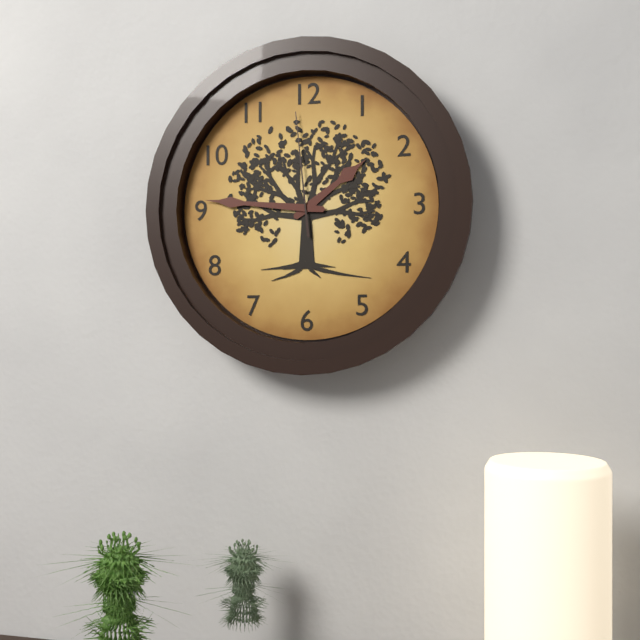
1 h 46 min 59 s
